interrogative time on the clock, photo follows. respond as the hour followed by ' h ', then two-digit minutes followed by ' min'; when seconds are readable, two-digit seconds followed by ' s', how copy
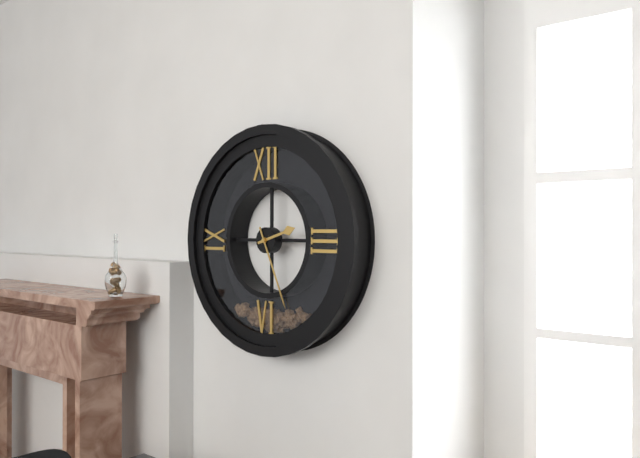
2 h 26 min
